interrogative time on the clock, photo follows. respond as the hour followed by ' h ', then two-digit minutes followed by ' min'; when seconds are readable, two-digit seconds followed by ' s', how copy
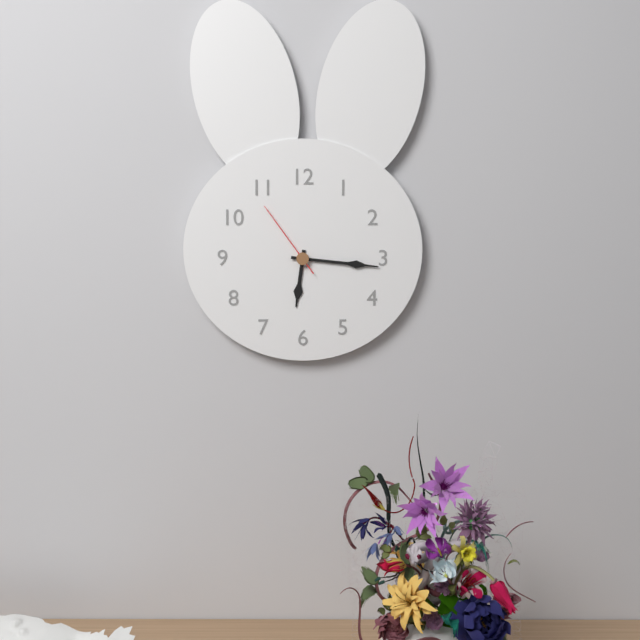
6 h 16 min 54 s
